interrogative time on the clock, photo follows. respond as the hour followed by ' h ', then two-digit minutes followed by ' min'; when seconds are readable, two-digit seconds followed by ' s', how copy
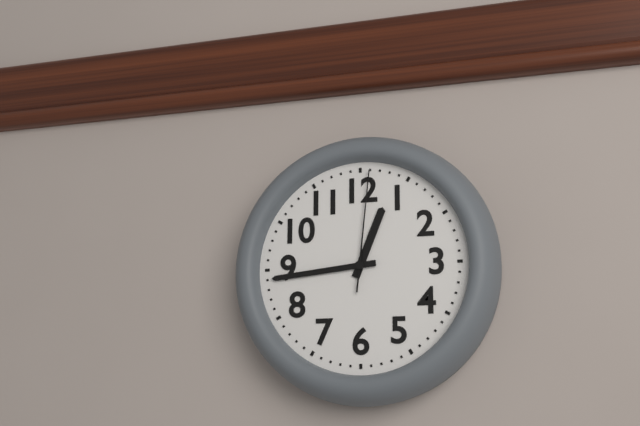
12 h 44 min 01 s
